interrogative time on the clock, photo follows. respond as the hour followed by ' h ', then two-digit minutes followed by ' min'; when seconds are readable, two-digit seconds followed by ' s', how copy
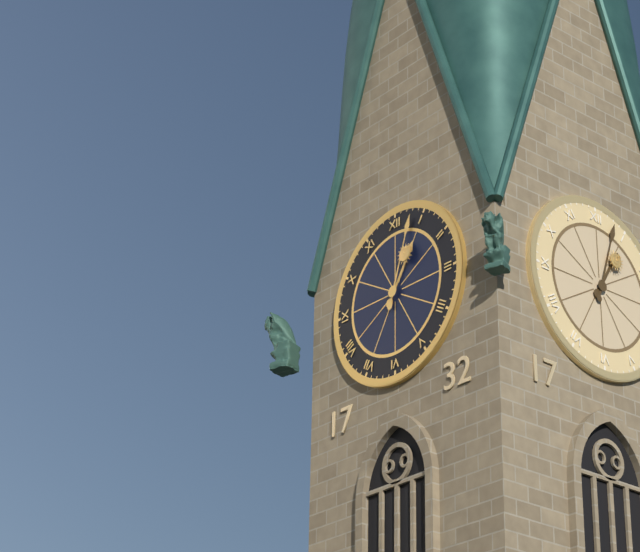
1 h 03 min
